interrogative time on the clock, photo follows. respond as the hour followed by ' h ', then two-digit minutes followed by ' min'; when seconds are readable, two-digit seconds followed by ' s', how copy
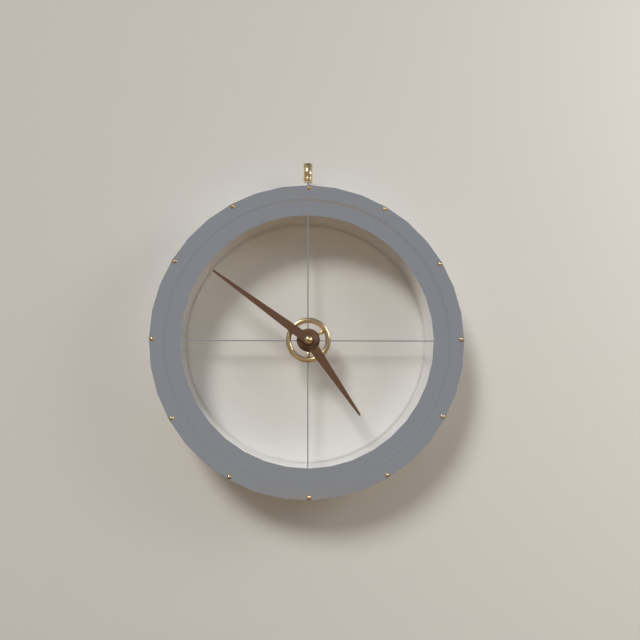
4 h 51 min
